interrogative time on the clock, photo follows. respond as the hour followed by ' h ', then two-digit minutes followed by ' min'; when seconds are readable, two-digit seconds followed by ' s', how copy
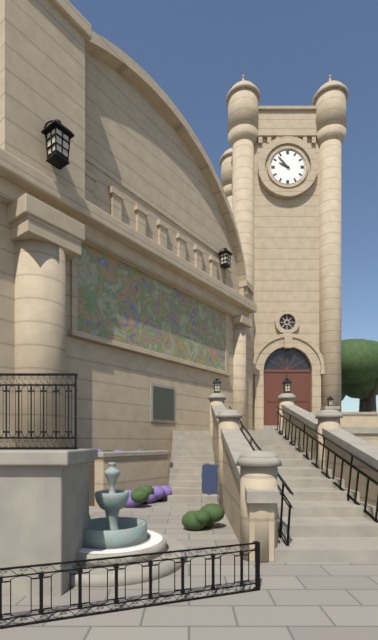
9 h 53 min
